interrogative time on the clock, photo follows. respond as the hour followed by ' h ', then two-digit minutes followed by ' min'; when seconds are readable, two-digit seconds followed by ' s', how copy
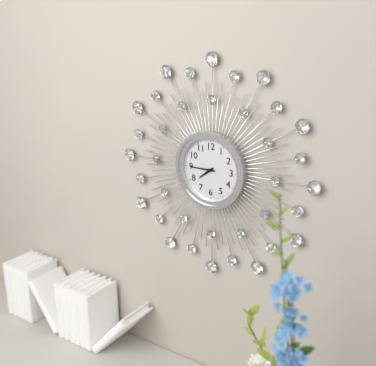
7 h 45 min
